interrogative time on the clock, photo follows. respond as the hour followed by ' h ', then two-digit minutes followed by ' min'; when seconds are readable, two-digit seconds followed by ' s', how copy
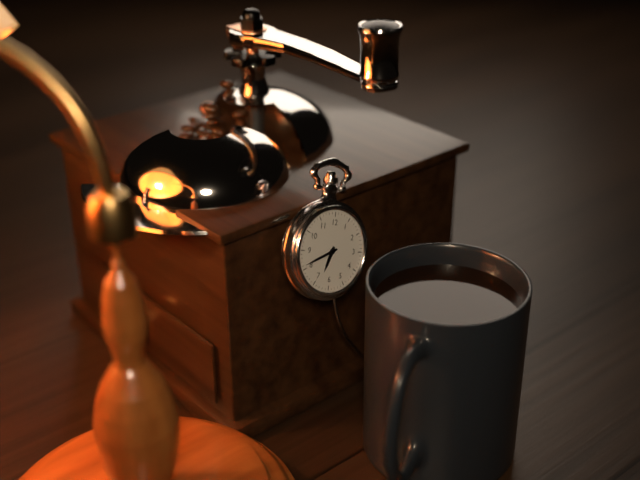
6 h 41 min
